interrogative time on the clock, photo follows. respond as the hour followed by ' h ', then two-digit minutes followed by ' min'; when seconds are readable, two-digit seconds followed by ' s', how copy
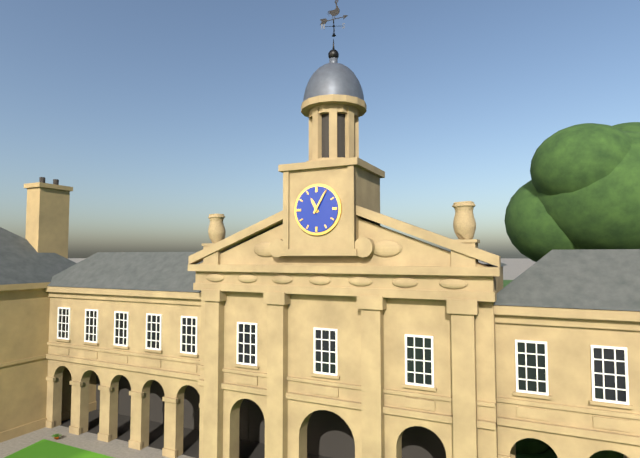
11 h 05 min
